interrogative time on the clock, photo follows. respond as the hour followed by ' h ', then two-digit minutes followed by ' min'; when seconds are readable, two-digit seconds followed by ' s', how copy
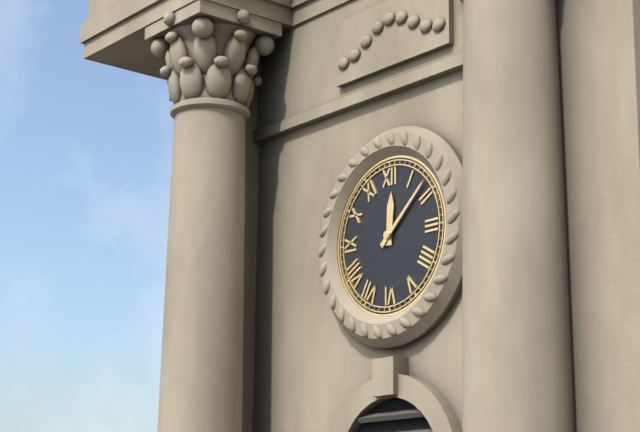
12 h 08 min
